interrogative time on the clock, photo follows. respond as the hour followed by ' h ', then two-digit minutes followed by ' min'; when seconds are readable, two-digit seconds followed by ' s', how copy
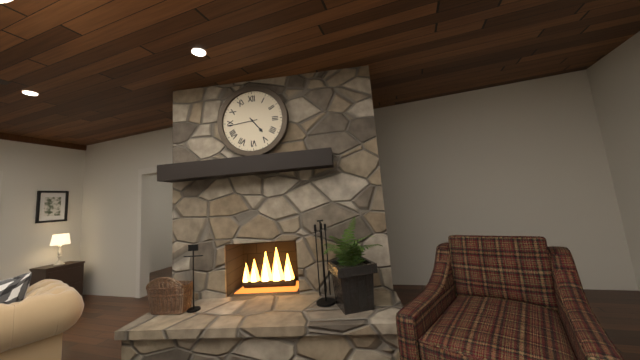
4 h 44 min
